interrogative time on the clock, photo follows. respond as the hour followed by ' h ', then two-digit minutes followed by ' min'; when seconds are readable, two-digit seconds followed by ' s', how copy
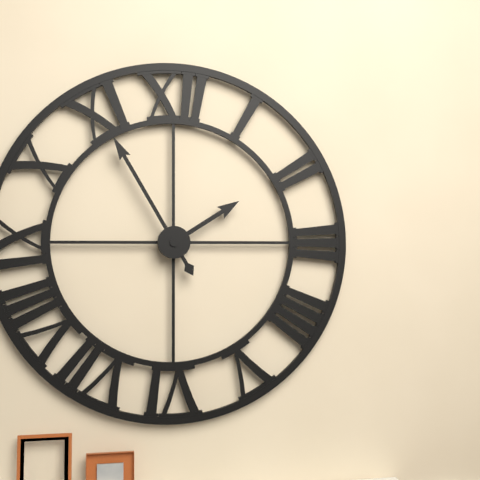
1 h 55 min
